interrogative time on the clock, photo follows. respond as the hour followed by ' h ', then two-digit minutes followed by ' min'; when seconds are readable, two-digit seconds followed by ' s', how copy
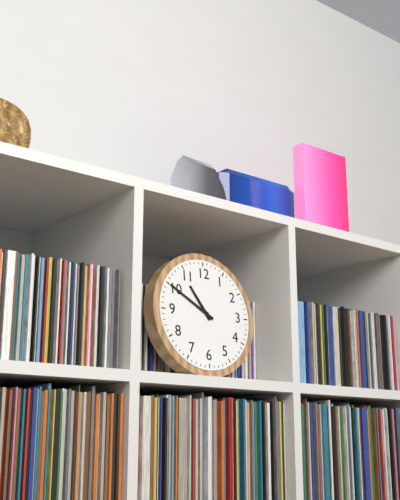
10 h 50 min
